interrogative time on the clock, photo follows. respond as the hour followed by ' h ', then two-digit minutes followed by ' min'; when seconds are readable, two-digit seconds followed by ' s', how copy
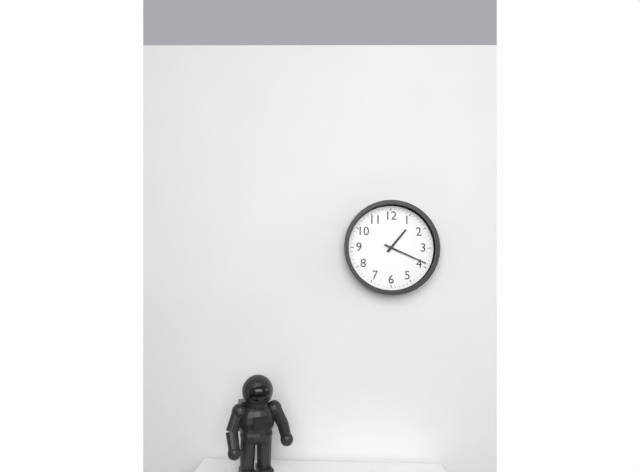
1 h 19 min
